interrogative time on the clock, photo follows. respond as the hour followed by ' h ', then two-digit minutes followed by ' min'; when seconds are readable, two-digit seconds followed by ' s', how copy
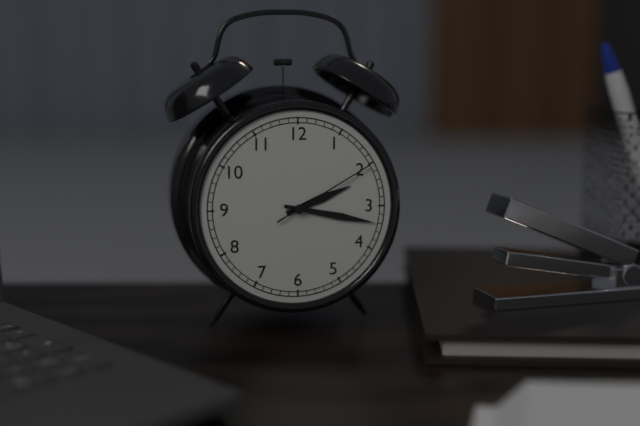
2 h 17 min 10 s
